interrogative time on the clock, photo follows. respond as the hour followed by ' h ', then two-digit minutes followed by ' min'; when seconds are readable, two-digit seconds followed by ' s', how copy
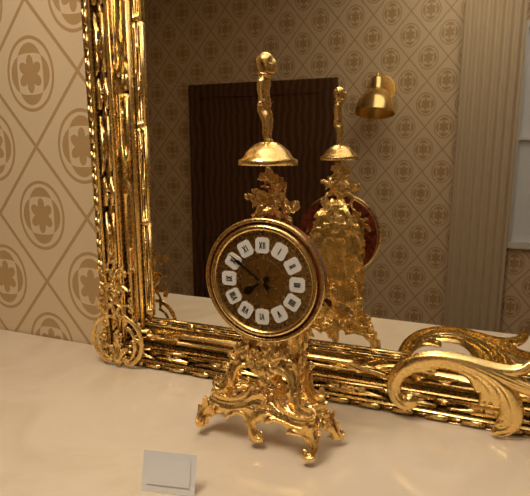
7 h 51 min
